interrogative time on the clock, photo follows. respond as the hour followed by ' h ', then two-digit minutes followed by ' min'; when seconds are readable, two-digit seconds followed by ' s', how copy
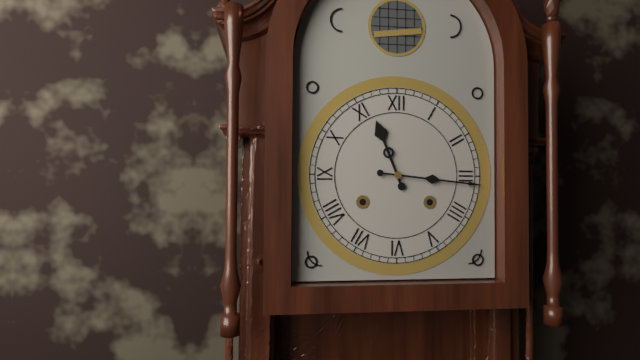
11 h 16 min
